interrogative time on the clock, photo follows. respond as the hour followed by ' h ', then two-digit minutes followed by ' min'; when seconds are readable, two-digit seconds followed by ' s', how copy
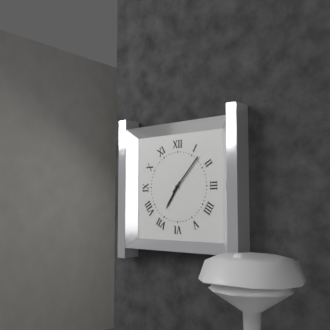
7 h 07 min
